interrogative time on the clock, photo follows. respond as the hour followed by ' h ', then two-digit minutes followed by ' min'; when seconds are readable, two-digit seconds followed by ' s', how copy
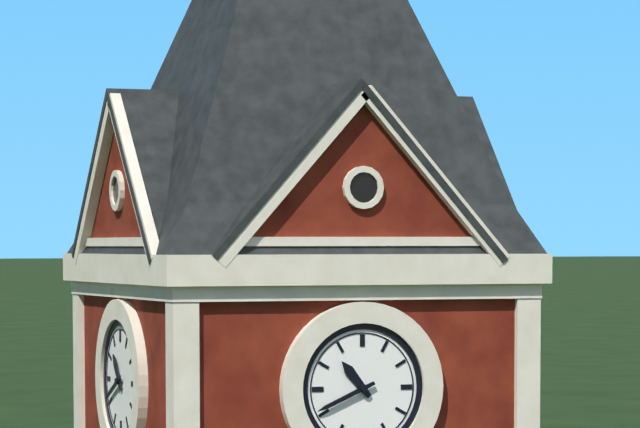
10 h 41 min
